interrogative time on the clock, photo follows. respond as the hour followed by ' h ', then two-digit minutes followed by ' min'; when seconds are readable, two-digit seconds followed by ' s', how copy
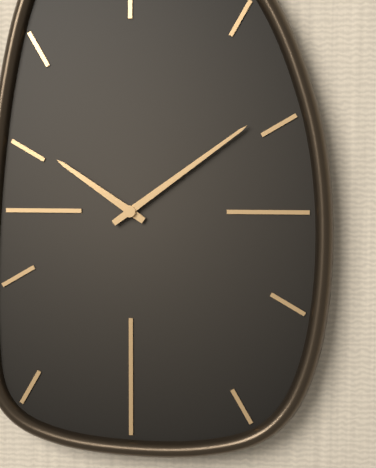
10 h 09 min
